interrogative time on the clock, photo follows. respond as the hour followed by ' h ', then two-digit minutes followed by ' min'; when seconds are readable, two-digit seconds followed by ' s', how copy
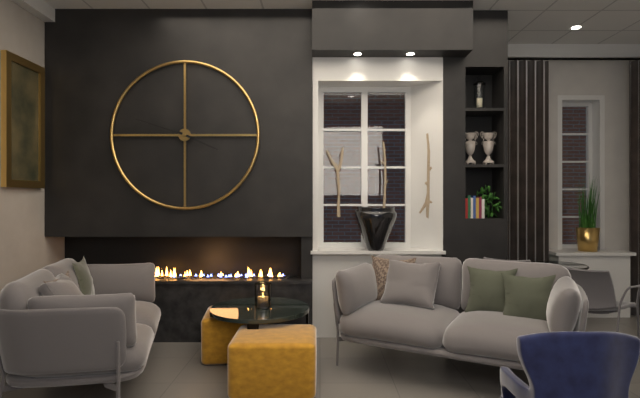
3 h 48 min
